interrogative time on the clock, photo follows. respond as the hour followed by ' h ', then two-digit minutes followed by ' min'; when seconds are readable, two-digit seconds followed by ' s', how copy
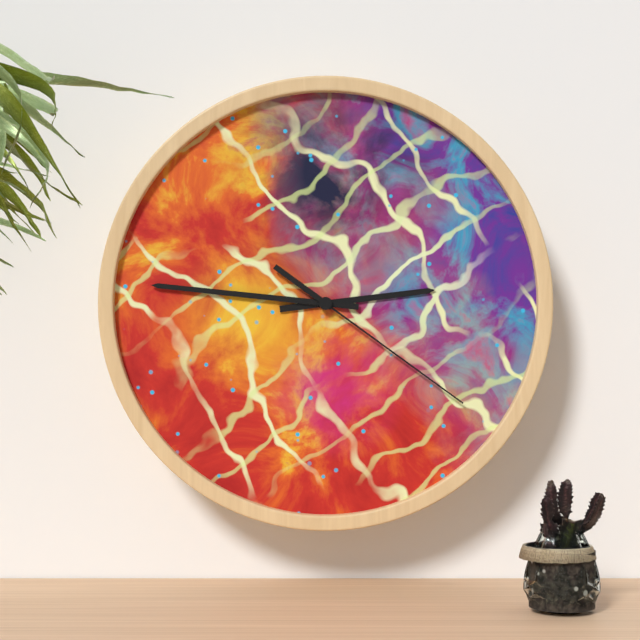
2 h 46 min 21 s
